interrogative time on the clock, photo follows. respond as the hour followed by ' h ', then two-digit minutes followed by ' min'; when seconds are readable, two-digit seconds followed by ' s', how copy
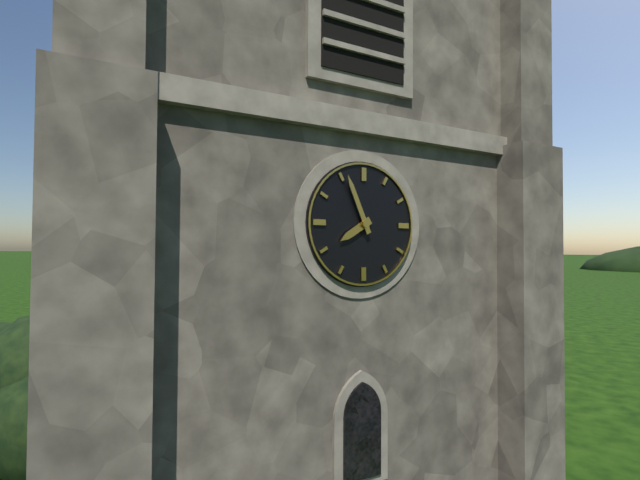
7 h 56 min
